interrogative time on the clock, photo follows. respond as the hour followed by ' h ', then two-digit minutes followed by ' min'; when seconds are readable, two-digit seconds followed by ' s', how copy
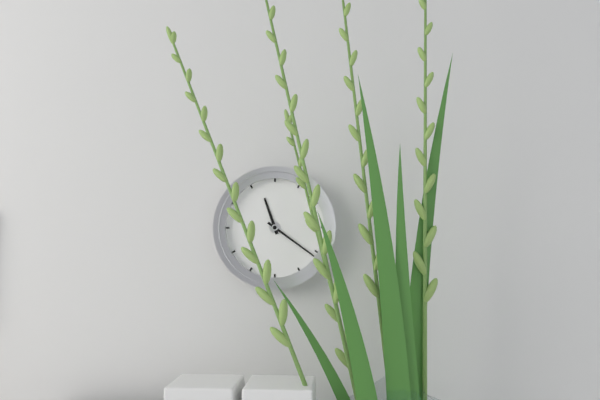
11 h 21 min
